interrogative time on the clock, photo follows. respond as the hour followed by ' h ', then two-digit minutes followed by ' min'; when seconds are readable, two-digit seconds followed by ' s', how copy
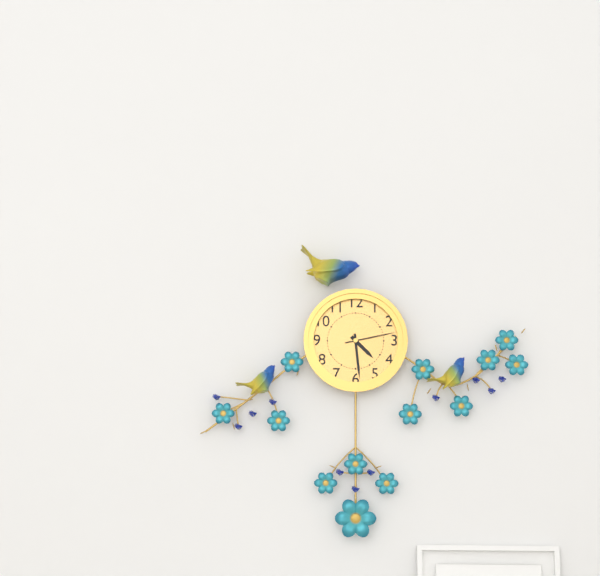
4 h 29 min 13 s
